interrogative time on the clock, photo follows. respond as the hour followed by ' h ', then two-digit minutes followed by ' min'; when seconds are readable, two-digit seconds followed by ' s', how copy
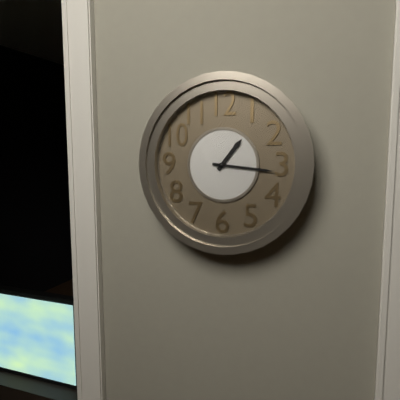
1 h 16 min
